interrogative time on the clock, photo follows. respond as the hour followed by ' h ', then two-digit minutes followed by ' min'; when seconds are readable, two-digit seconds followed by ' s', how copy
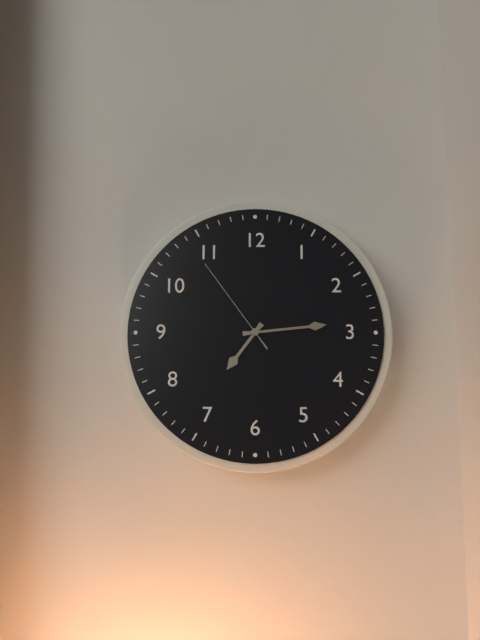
7 h 14 min 54 s
